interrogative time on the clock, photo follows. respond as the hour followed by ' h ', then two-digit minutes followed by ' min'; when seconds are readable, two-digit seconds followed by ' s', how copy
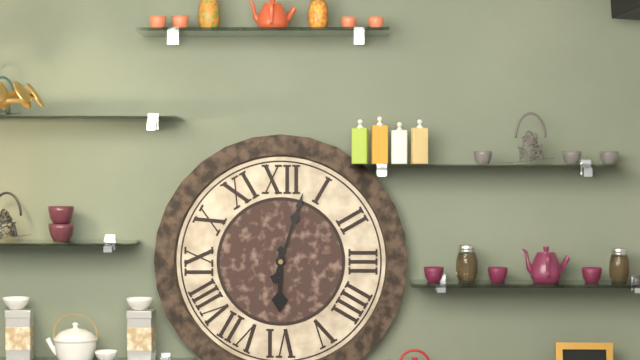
6 h 03 min
